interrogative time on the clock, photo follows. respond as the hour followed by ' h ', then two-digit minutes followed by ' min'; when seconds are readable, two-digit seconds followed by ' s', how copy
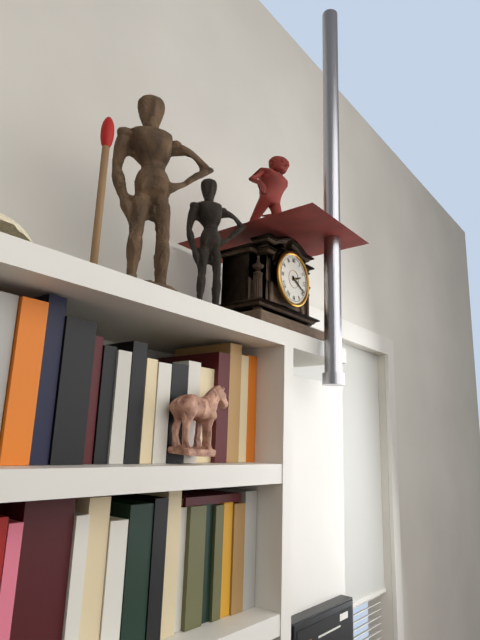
2 h 20 min
